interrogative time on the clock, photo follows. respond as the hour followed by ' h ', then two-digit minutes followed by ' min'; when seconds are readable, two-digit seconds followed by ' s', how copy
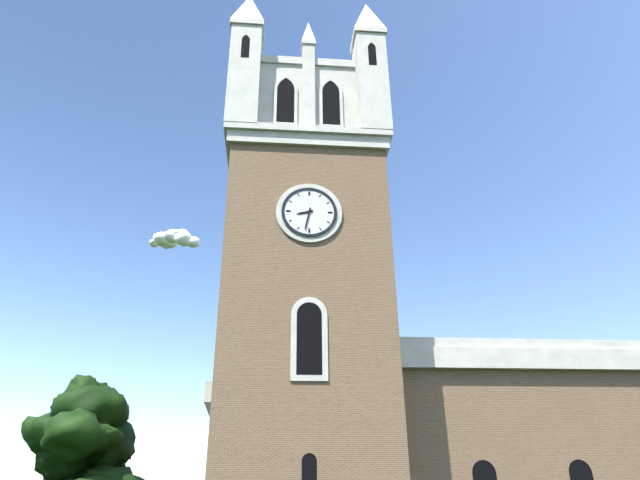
8 h 32 min
